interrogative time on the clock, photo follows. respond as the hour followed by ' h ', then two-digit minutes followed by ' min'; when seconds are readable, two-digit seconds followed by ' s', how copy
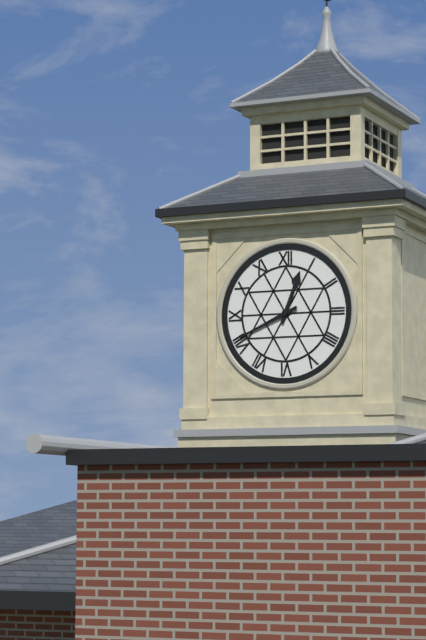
12 h 41 min
